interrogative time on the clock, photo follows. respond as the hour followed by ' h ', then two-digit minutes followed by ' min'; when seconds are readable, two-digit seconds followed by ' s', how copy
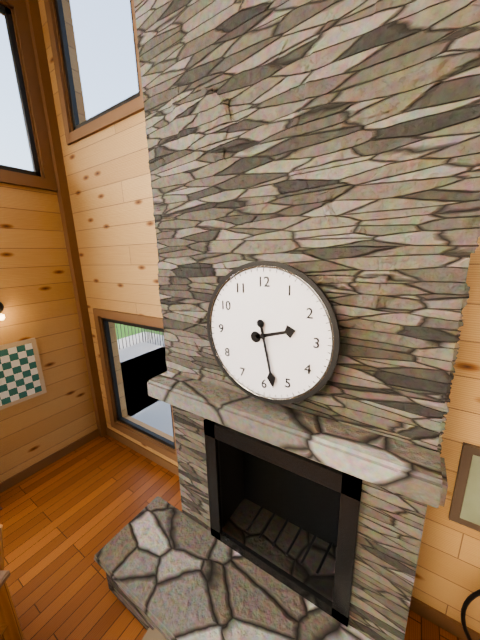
2 h 28 min
